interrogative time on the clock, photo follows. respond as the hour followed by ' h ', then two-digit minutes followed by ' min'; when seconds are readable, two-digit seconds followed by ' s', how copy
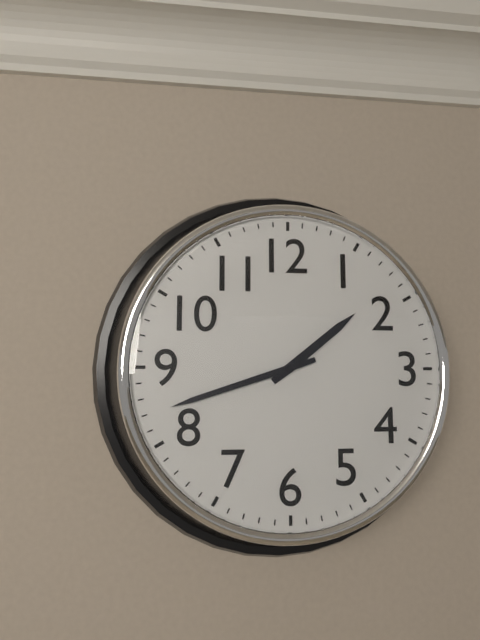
1 h 42 min
